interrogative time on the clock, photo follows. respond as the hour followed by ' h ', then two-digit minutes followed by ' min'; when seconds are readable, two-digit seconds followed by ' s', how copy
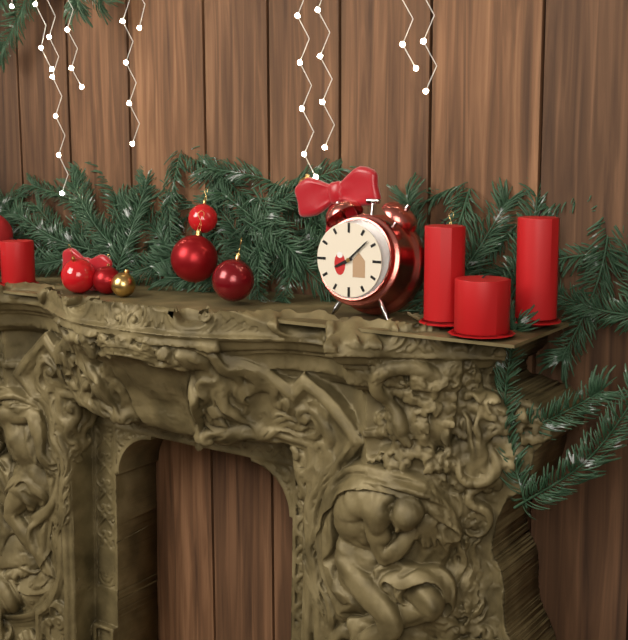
8 h 08 min
